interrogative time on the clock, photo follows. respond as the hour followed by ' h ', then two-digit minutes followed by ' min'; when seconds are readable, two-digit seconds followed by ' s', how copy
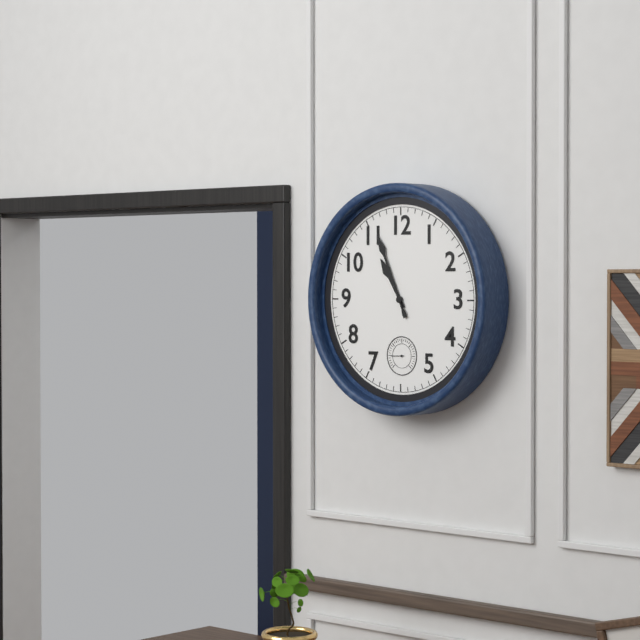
10 h 56 min
